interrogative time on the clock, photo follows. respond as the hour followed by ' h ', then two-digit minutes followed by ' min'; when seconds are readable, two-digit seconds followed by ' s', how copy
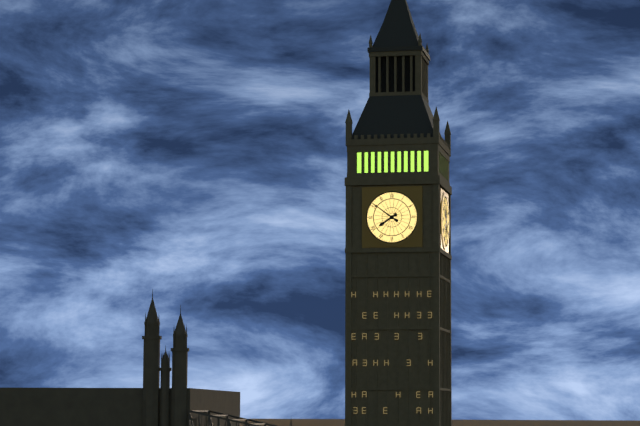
7 h 51 min
